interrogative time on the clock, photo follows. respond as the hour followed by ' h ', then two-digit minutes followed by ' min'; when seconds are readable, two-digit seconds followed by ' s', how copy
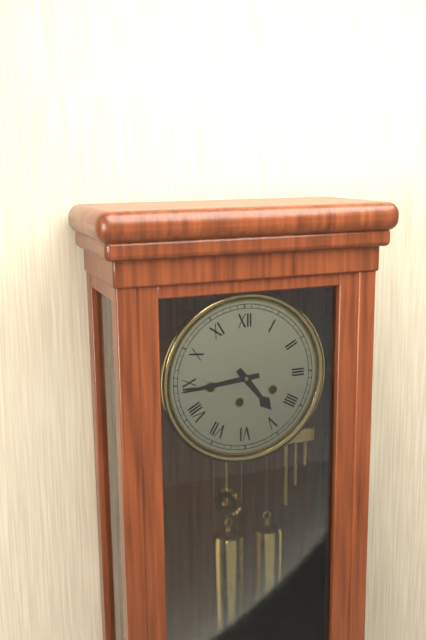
4 h 44 min
